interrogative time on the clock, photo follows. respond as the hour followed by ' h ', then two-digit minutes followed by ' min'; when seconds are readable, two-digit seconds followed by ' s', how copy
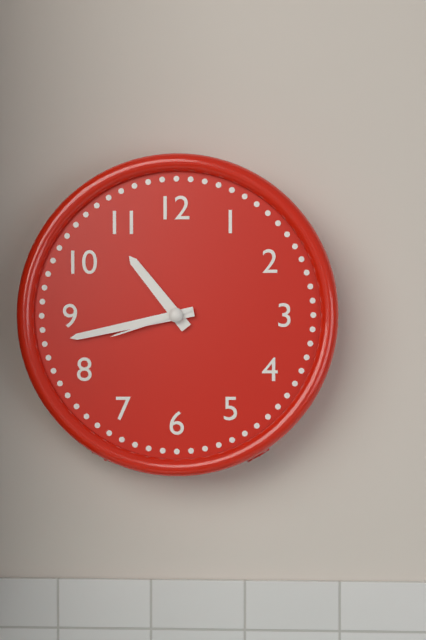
10 h 43 min 42 s
